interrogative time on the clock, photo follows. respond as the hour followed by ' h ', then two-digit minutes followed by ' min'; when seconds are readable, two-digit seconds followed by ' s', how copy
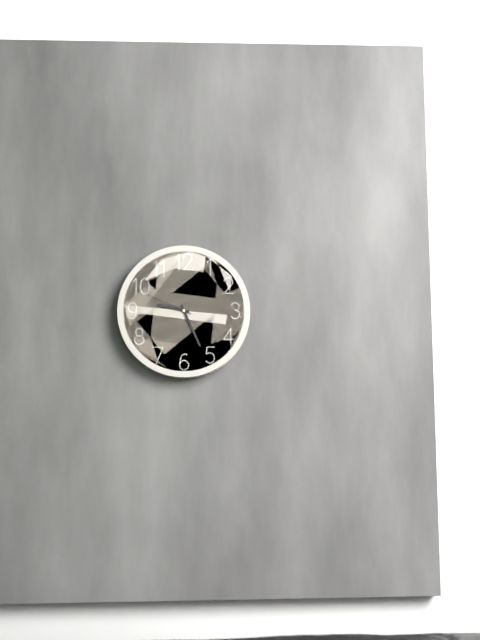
9 h 26 min 49 s
